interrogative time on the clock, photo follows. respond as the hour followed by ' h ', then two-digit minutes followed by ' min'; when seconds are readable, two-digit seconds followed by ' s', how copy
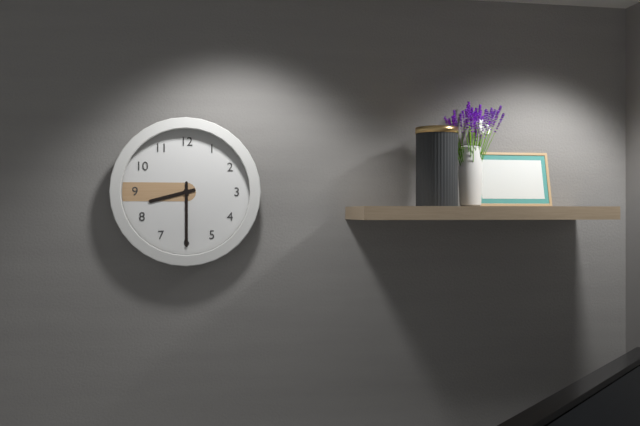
8 h 30 min
